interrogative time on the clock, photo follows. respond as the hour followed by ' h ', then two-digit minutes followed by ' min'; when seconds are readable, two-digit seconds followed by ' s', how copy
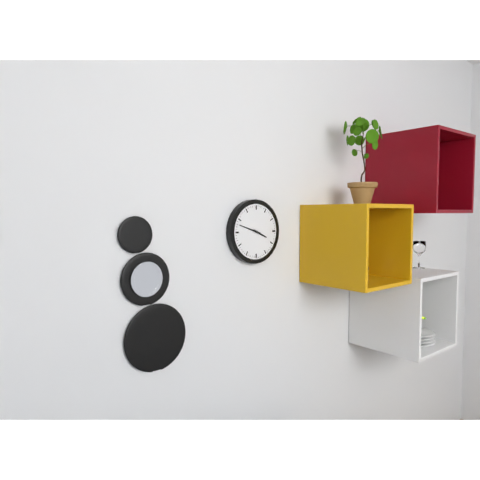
3 h 48 min
